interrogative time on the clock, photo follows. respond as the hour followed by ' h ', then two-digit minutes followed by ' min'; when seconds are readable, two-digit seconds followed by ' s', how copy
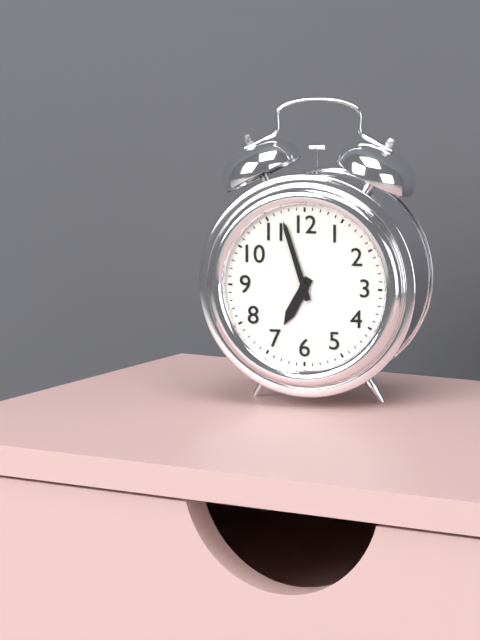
6 h 57 min
